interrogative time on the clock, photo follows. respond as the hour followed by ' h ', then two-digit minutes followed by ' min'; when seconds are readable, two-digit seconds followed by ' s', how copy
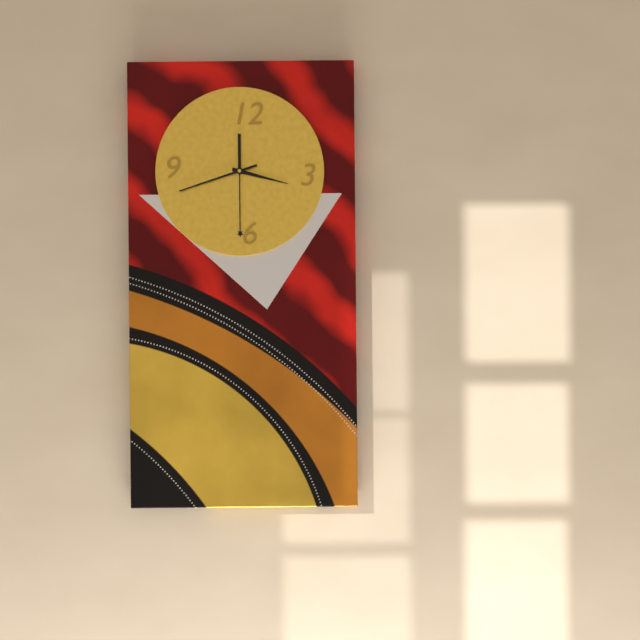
3 h 30 min 42 s
